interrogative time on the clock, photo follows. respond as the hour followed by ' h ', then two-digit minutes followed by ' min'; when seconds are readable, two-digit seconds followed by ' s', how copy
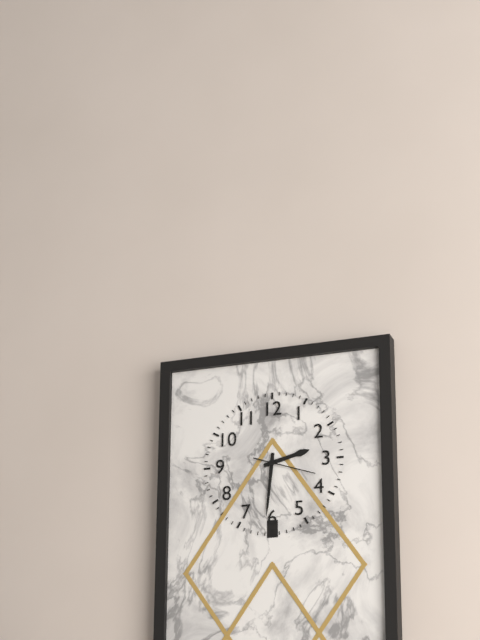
2 h 31 min 18 s
